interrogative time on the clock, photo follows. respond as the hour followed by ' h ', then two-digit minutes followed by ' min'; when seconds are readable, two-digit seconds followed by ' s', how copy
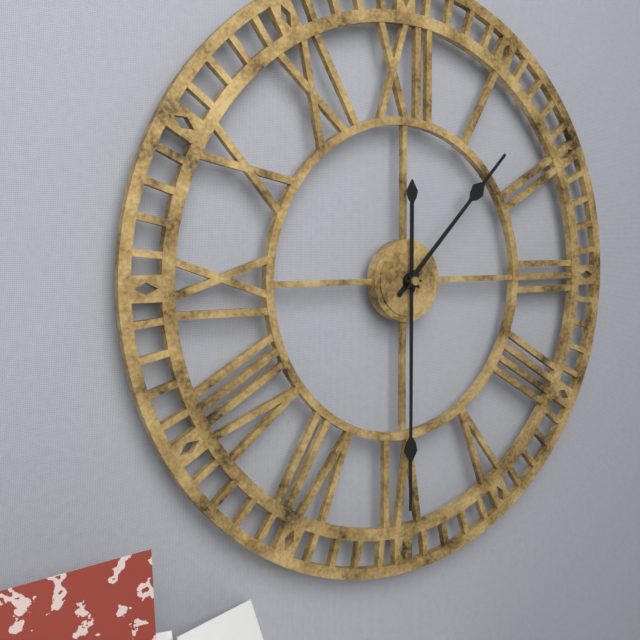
1 h 30 min
